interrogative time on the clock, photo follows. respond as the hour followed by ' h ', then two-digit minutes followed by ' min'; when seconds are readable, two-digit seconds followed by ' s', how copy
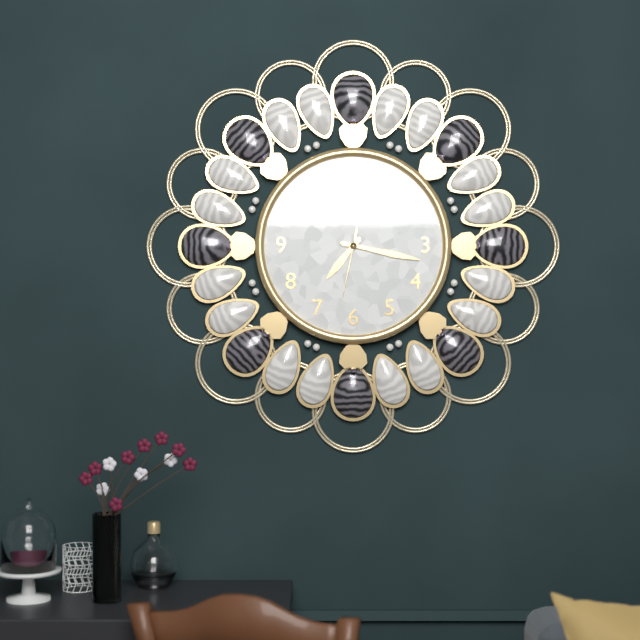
7 h 17 min 32 s
